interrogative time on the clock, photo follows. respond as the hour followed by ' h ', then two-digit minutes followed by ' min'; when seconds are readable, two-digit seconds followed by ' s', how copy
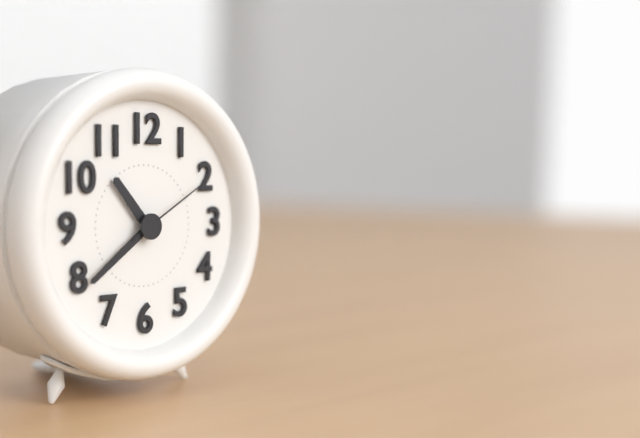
10 h 39 min 10 s
